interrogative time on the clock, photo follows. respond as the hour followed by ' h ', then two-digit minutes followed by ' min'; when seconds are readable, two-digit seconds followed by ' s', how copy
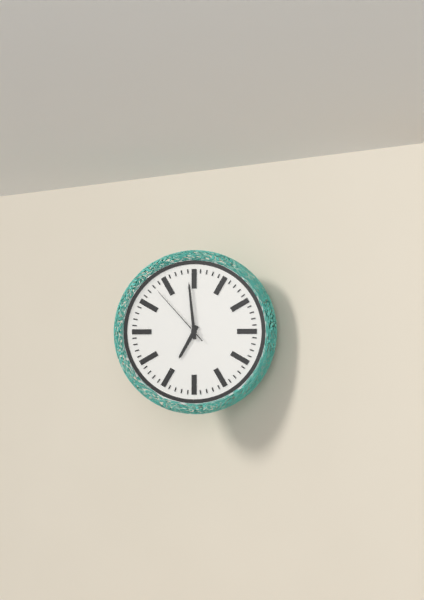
6 h 59 min 53 s
